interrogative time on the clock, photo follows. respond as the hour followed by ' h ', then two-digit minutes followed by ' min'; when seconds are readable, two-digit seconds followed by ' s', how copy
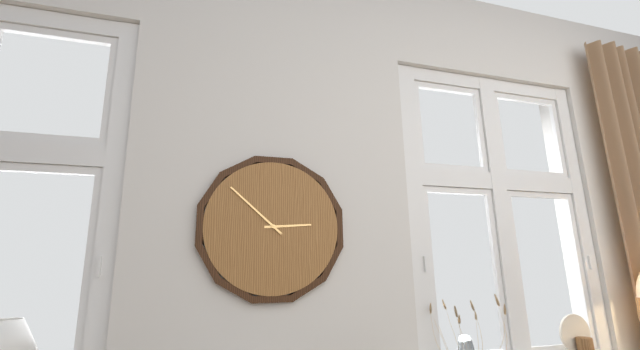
2 h 52 min
